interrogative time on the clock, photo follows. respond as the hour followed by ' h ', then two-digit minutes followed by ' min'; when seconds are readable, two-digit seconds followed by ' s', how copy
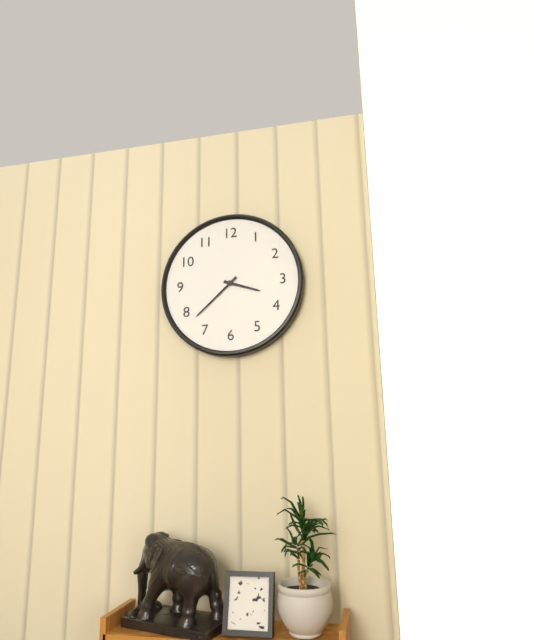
3 h 38 min
